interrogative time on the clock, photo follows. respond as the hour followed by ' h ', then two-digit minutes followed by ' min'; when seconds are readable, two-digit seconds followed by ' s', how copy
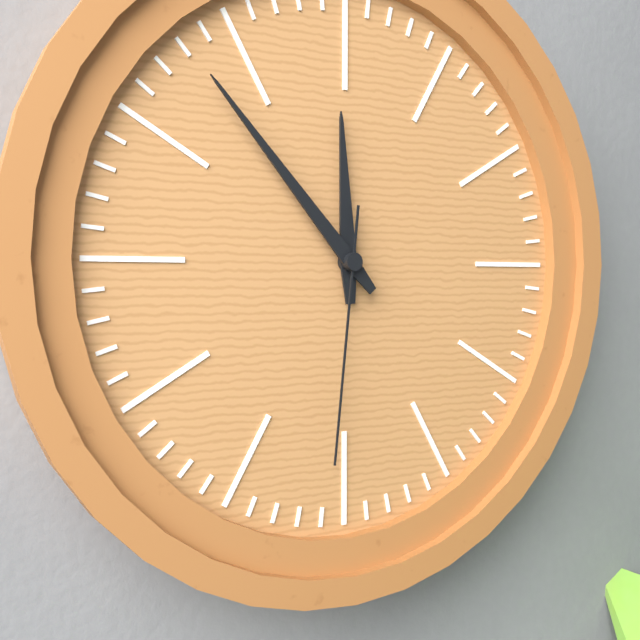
11 h 53 min 31 s
